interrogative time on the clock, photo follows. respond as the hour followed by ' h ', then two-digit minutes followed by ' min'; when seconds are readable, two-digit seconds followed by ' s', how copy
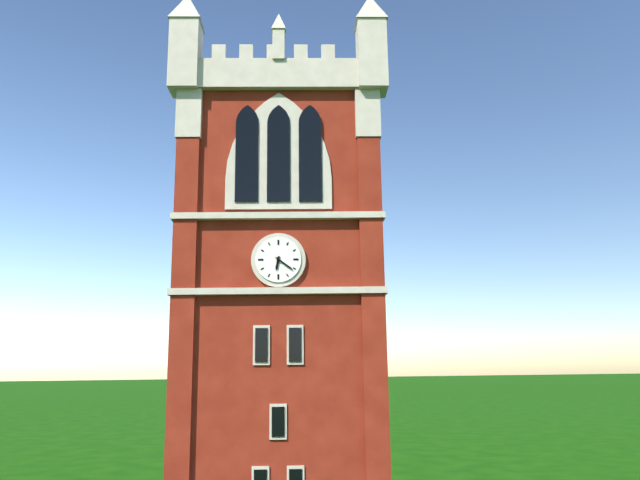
6 h 21 min
